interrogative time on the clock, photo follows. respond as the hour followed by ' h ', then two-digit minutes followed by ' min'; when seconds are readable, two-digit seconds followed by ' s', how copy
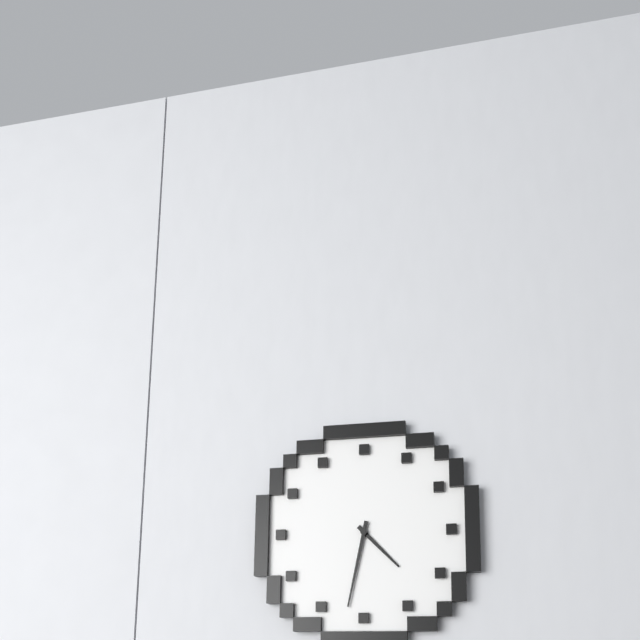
4 h 32 min
